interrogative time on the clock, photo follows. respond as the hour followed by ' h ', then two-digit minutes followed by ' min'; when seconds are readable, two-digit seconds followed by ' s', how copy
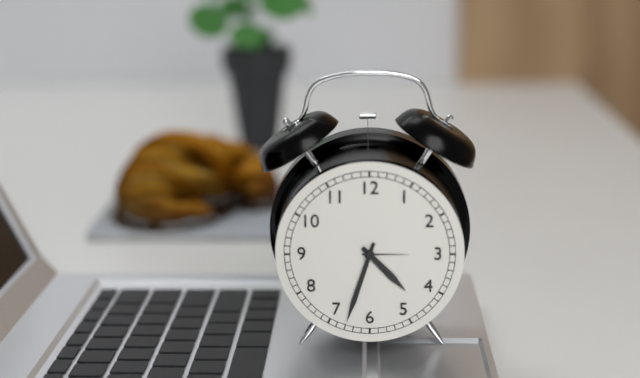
4 h 33 min
